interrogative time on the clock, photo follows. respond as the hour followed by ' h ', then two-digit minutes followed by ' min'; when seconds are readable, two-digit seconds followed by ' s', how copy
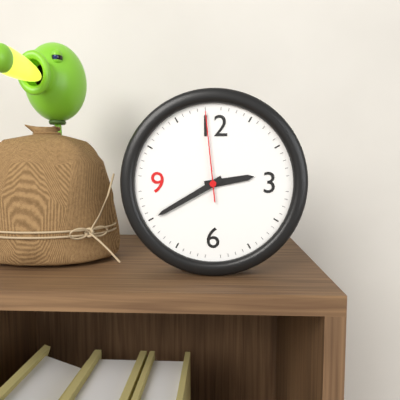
2 h 40 min 59 s
